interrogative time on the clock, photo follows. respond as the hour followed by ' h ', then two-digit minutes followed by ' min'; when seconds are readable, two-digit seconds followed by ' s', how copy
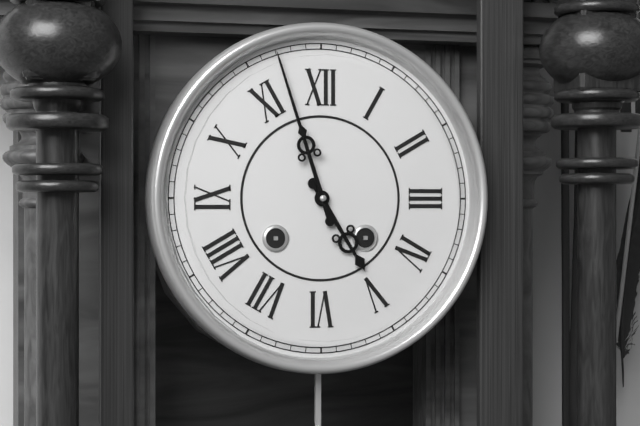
4 h 57 min
